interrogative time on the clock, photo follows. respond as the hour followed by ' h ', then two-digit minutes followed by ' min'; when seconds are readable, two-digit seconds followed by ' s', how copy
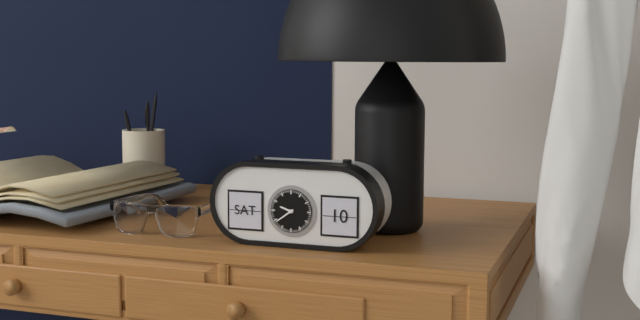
9 h 39 min
